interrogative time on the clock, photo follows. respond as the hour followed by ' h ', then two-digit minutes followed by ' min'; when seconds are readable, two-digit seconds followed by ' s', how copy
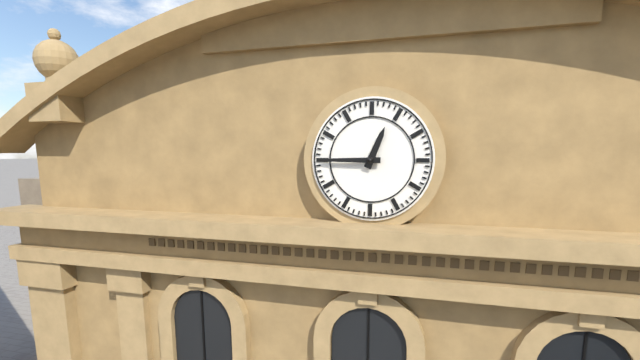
12 h 45 min
